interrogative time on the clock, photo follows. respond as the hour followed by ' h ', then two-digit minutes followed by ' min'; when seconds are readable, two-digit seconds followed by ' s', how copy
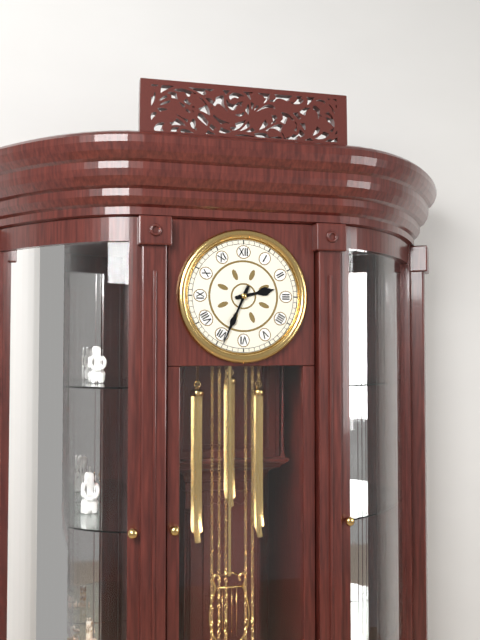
2 h 34 min
